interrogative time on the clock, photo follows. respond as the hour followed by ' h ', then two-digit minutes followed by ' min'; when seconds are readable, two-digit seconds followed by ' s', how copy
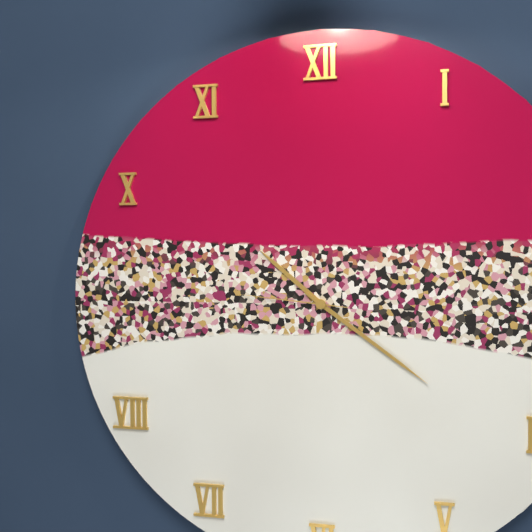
10 h 21 min 46 s
